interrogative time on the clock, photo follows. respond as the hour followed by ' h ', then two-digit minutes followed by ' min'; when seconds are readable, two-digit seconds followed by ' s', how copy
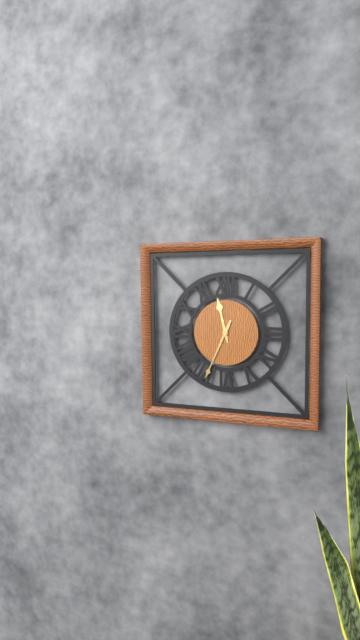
11 h 34 min
